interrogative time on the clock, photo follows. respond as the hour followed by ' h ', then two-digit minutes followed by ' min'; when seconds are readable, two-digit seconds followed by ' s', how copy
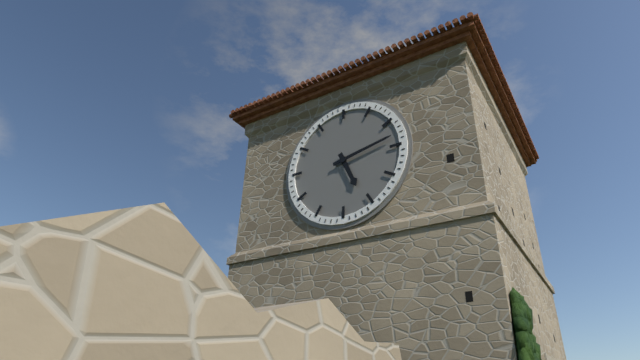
5 h 13 min
